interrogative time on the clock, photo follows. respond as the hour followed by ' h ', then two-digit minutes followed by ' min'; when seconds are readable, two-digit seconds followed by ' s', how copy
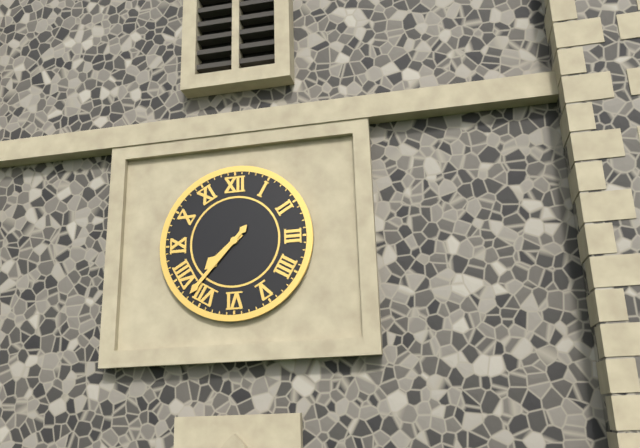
7 h 37 min
